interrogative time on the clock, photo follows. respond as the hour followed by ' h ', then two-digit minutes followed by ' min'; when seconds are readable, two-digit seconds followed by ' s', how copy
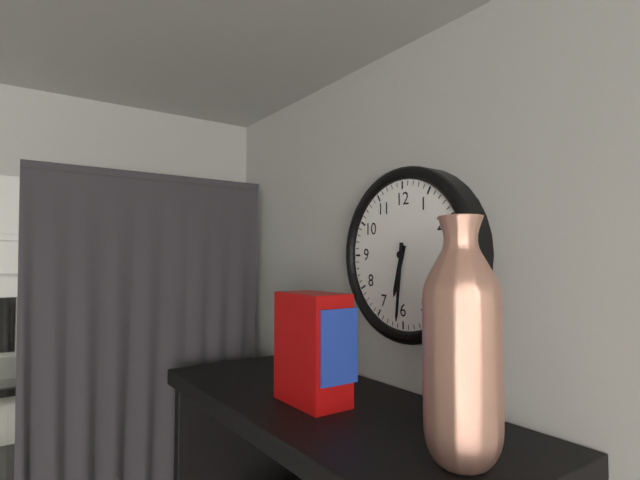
6 h 31 min
